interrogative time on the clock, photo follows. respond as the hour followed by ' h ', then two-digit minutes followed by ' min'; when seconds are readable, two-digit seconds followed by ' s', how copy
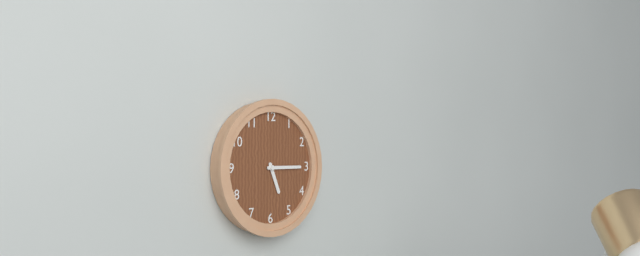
5 h 15 min
